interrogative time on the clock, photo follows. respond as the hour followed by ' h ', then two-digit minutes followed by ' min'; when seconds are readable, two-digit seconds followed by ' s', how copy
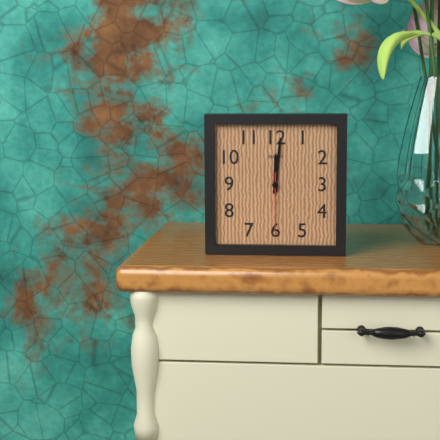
12 h 01 min 30 s
